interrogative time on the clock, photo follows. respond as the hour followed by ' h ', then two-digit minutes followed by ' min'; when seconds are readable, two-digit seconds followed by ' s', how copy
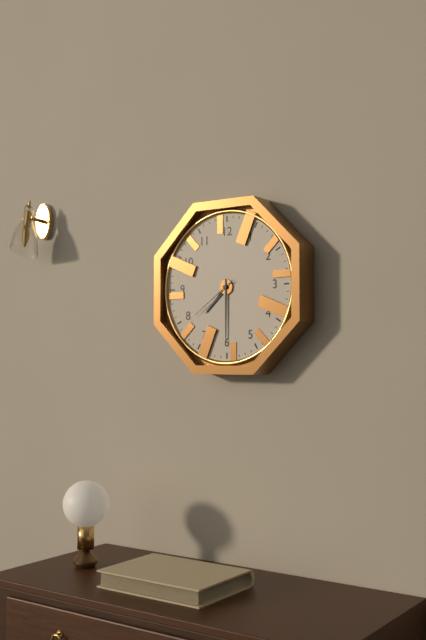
7 h 30 min 39 s
